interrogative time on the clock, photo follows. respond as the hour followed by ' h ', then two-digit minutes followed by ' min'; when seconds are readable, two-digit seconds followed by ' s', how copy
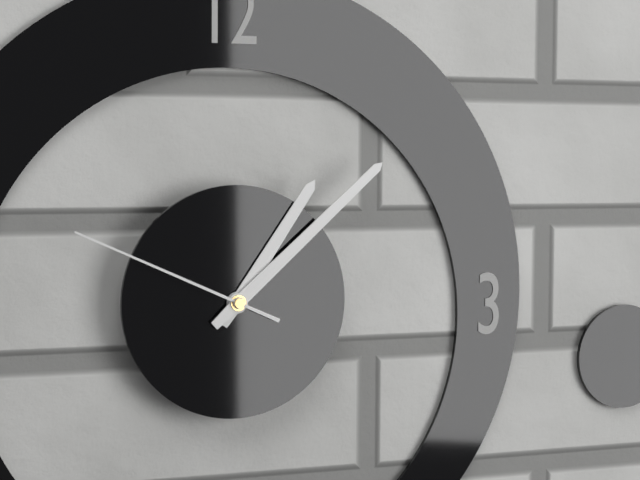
1 h 08 min 49 s
